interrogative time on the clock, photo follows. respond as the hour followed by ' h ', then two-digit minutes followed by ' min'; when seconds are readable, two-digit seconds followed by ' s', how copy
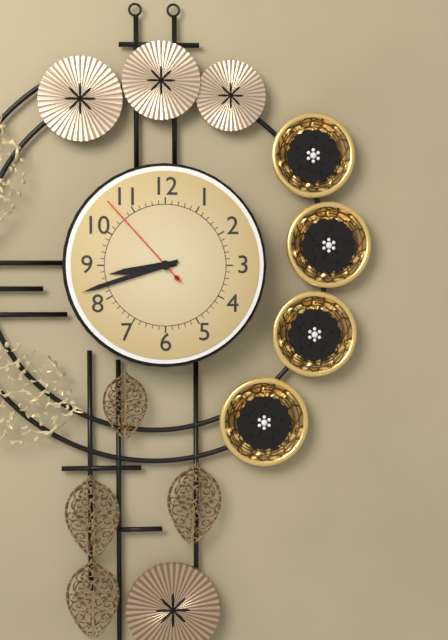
8 h 42 min 53 s
